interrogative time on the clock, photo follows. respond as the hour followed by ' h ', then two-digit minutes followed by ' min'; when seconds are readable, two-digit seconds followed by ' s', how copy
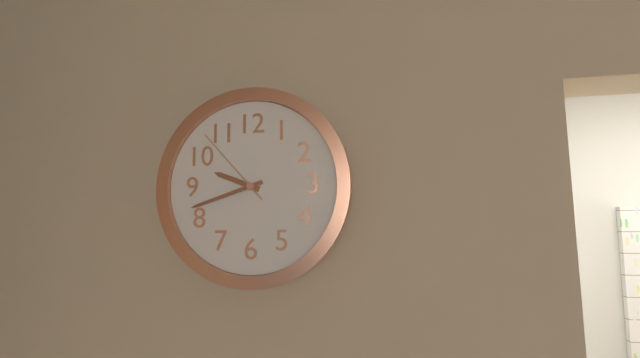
9 h 42 min 53 s
